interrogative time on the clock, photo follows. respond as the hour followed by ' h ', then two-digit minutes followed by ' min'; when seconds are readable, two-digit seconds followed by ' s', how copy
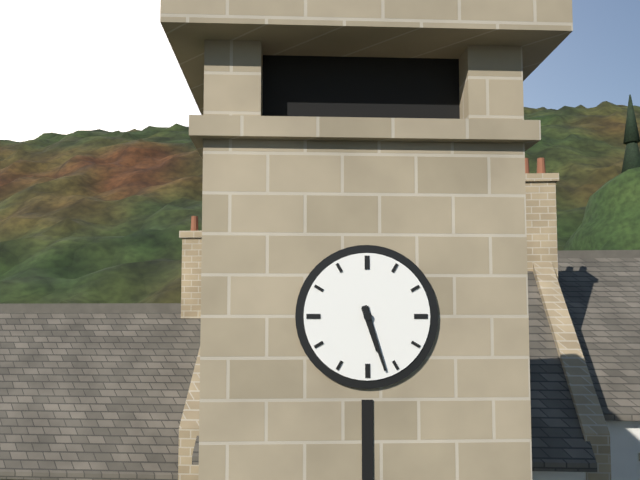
5 h 27 min
